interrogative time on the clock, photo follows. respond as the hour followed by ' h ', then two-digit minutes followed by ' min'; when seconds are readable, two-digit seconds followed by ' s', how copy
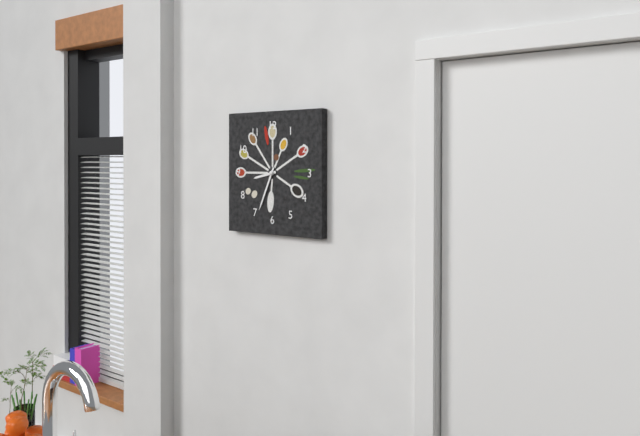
8 h 34 min
